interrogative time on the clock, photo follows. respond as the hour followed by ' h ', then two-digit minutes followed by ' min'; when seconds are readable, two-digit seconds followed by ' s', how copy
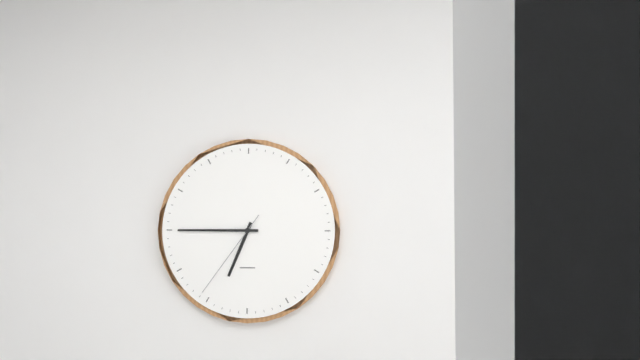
6 h 45 min 36 s
